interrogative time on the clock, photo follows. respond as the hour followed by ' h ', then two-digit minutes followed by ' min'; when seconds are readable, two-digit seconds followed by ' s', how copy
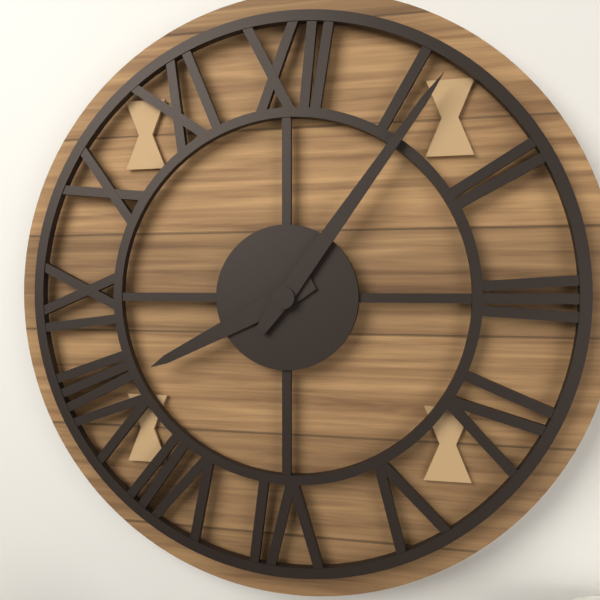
8 h 06 min
